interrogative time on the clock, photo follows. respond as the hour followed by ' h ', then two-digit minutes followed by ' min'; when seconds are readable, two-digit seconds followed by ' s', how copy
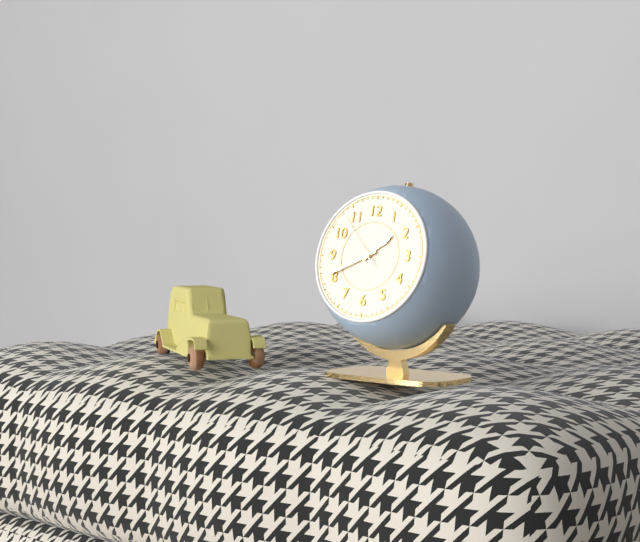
1 h 41 min 53 s
